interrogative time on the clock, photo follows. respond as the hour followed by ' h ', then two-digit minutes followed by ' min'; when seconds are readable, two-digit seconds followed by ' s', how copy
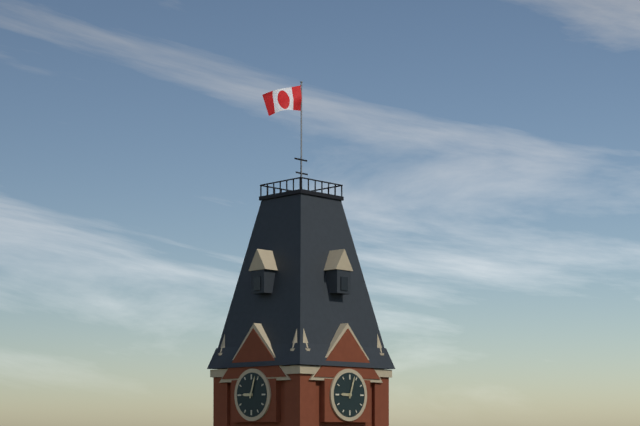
9 h 03 min
